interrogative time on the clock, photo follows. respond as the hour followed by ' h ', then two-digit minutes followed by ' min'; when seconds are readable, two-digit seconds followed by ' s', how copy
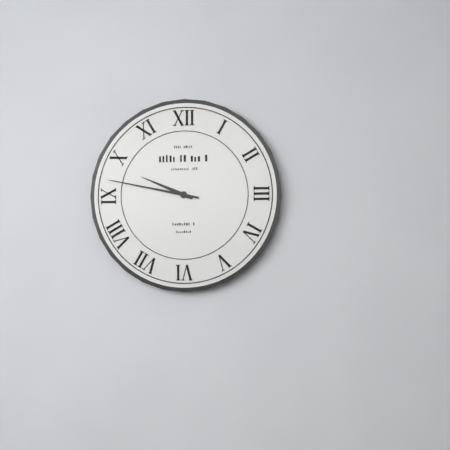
9 h 47 min
